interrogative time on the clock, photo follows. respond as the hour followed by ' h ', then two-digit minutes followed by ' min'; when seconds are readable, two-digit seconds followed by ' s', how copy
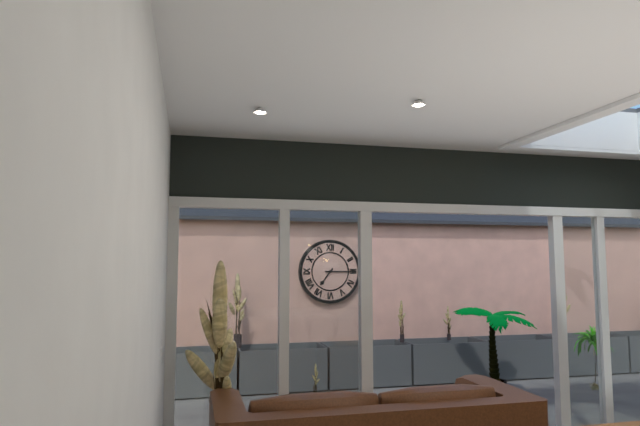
7 h 15 min
